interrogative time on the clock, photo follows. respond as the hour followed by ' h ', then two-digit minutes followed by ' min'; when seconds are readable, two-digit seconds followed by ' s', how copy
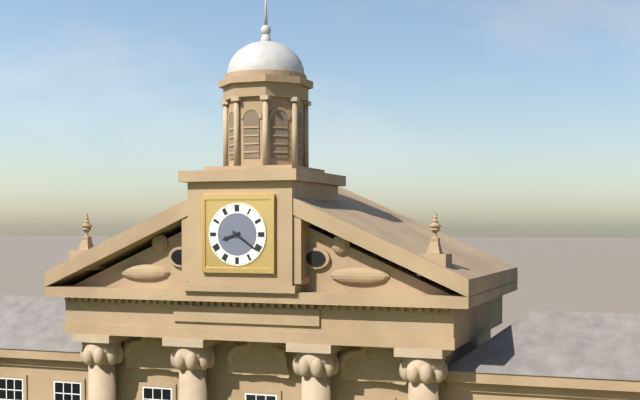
8 h 21 min
